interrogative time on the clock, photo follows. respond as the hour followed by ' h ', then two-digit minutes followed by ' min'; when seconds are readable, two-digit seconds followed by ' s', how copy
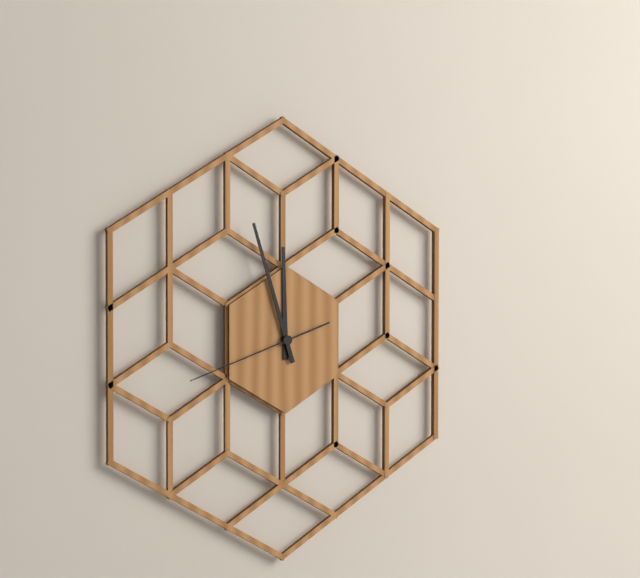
11 h 57 min 42 s
